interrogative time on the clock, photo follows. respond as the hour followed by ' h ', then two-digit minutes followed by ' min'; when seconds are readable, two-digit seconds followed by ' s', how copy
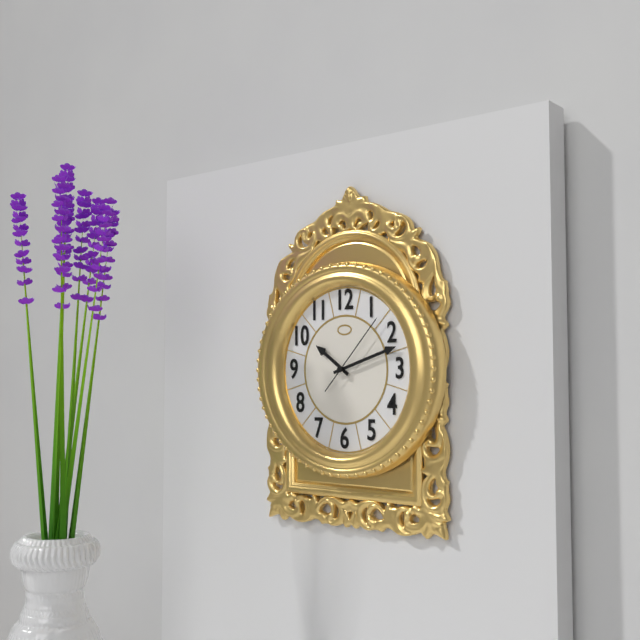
10 h 12 min 07 s
